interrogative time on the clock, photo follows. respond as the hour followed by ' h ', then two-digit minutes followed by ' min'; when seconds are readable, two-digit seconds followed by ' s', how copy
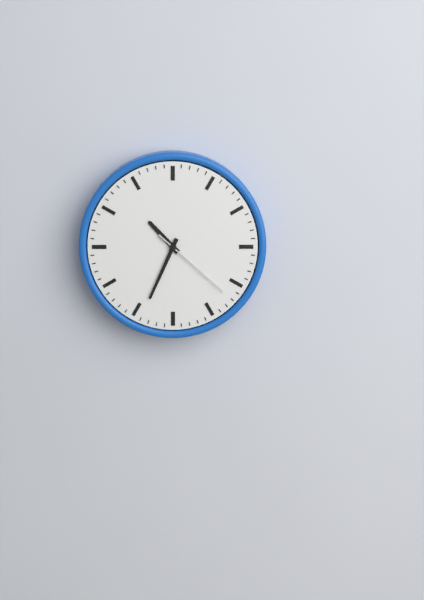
10 h 34 min 22 s
